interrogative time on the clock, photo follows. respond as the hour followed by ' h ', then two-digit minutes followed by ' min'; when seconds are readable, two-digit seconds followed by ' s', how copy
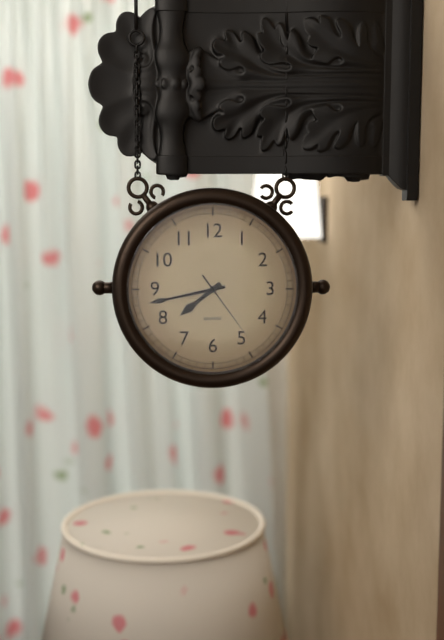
7 h 43 min 24 s
